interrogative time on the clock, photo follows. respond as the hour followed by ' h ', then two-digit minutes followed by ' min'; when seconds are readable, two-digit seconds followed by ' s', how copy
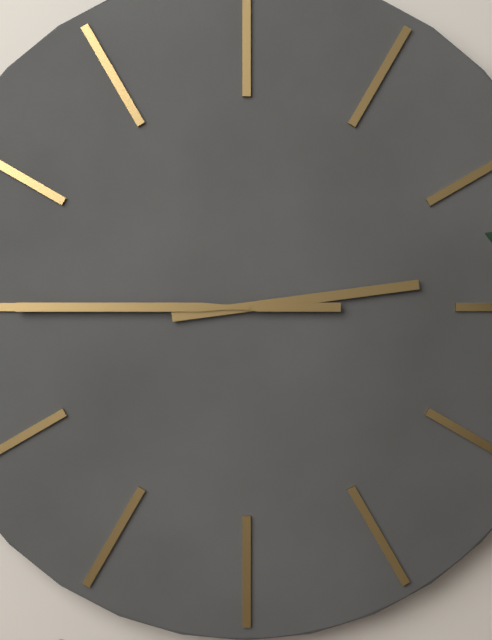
2 h 45 min
